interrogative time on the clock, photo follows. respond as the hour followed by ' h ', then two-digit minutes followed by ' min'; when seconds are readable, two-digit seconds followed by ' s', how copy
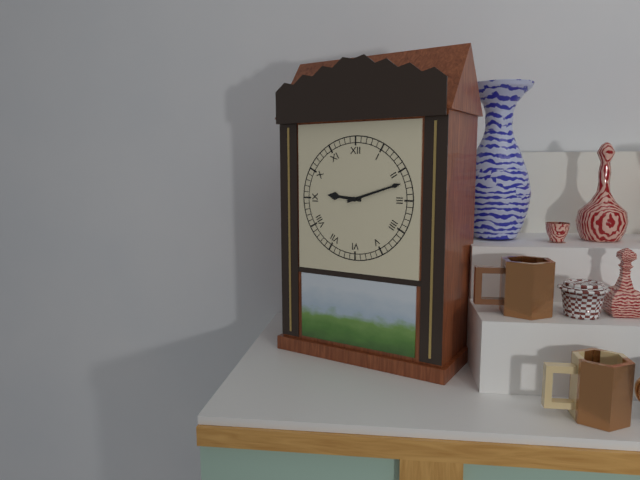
9 h 12 min
